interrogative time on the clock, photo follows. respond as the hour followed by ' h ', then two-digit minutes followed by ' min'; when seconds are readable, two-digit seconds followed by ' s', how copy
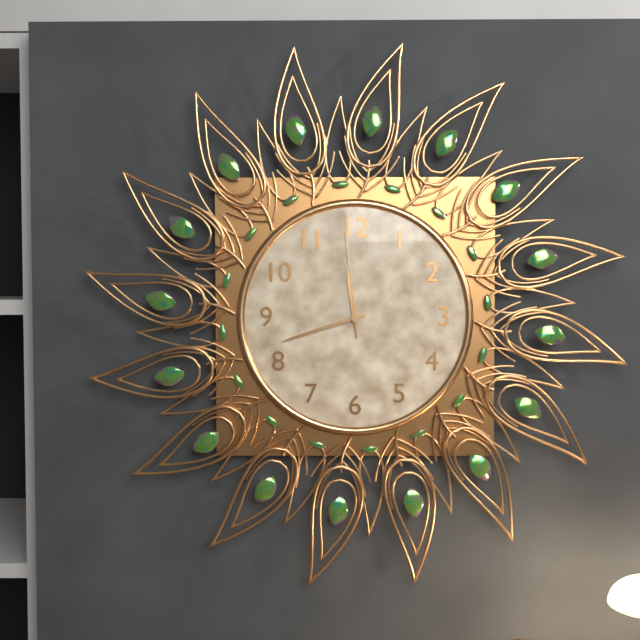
11 h 42 min 59 s
